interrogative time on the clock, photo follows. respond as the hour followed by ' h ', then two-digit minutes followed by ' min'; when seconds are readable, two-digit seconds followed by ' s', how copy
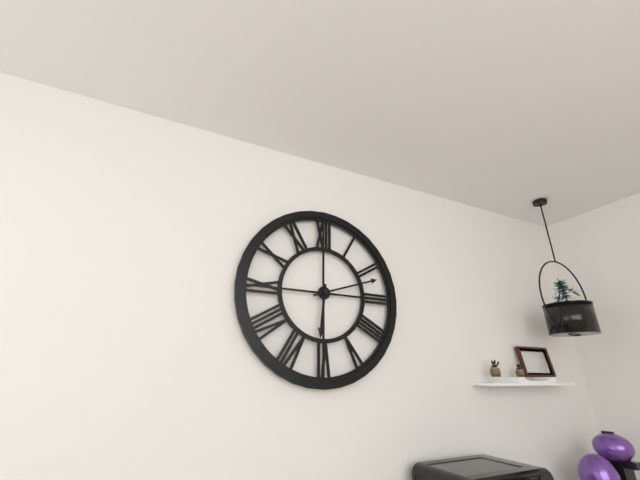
6 h 12 min
